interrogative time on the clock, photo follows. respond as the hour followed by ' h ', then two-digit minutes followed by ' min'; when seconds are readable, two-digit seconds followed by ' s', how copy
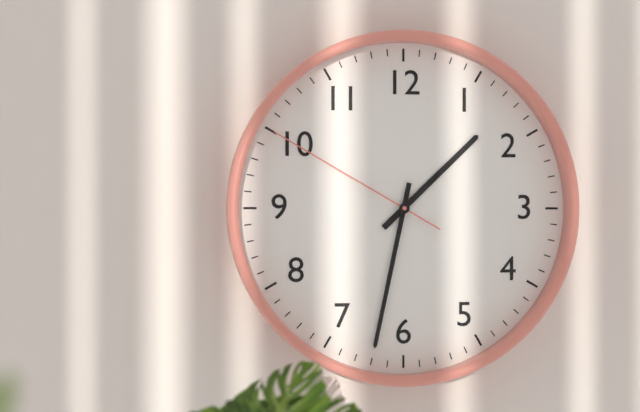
1 h 32 min 50 s
